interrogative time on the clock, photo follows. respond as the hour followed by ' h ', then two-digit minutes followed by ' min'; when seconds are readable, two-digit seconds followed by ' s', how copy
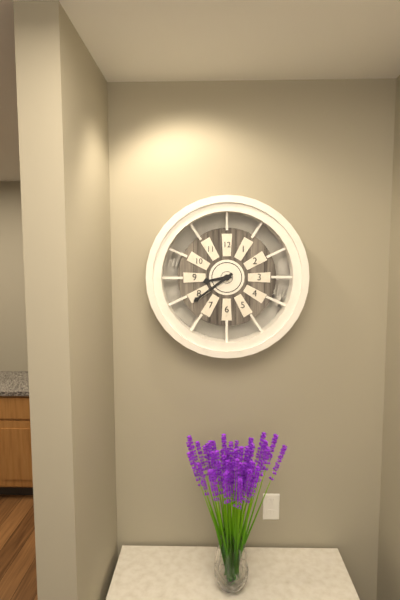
8 h 39 min
